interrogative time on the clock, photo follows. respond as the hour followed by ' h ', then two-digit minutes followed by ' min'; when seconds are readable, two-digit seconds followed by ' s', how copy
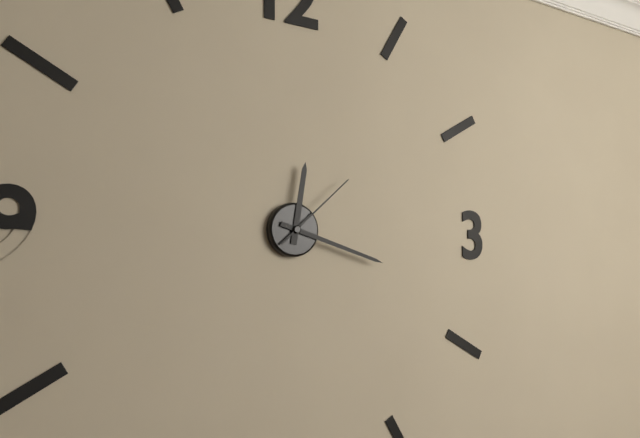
12 h 18 min 08 s
